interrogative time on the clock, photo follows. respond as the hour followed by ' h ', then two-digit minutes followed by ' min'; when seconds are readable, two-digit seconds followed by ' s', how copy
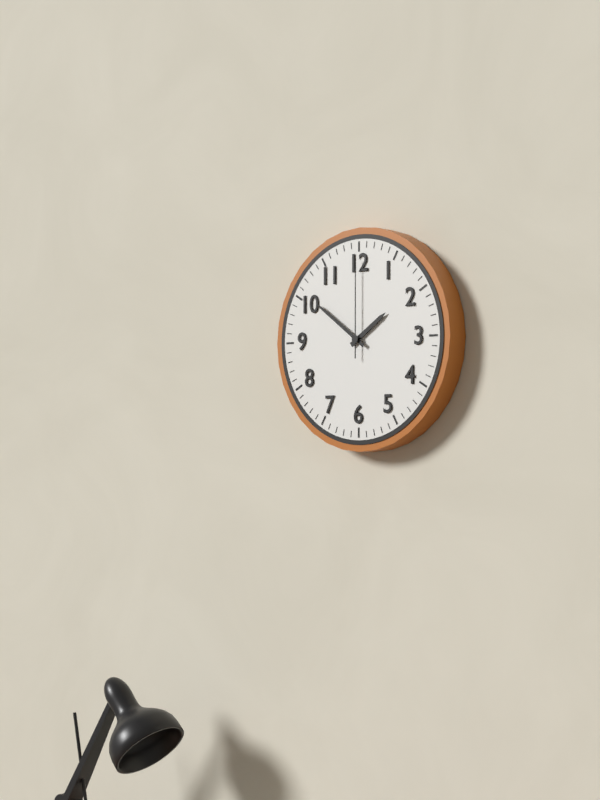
1 h 51 min 00 s
